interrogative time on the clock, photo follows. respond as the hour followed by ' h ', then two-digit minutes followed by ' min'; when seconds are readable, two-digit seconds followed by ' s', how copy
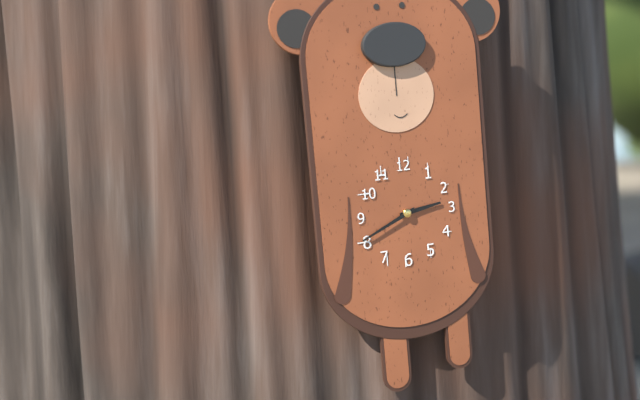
2 h 41 min
